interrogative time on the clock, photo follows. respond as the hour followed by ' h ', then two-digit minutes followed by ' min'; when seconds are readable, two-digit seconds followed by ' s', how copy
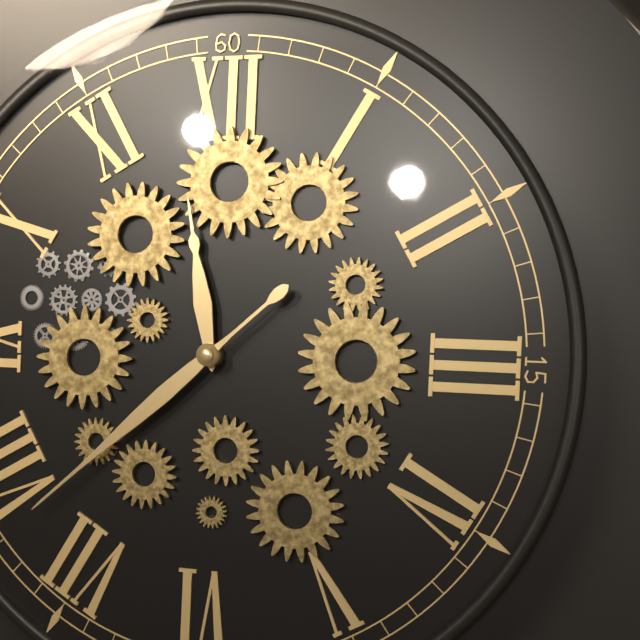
11 h 38 min
